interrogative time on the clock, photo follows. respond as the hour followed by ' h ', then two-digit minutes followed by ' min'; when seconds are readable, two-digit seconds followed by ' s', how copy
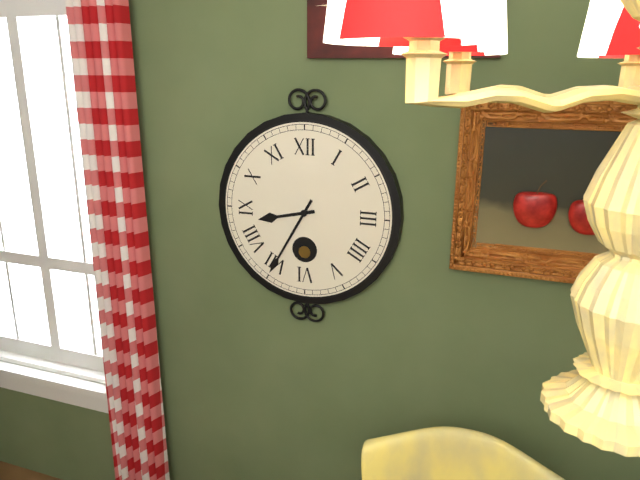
8 h 35 min
